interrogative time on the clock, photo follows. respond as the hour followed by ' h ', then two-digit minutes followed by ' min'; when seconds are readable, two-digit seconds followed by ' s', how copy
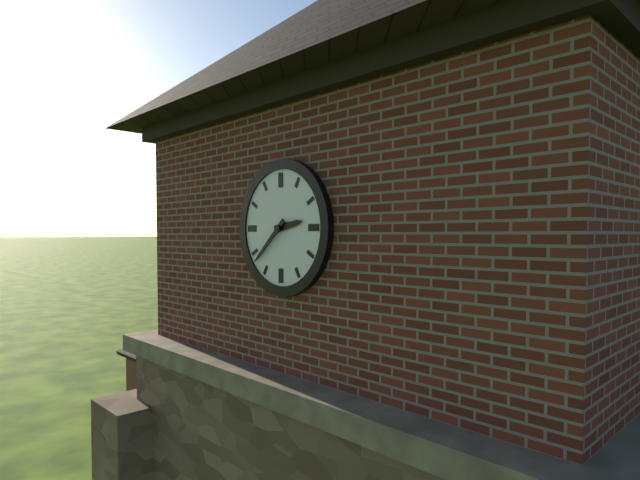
2 h 38 min
